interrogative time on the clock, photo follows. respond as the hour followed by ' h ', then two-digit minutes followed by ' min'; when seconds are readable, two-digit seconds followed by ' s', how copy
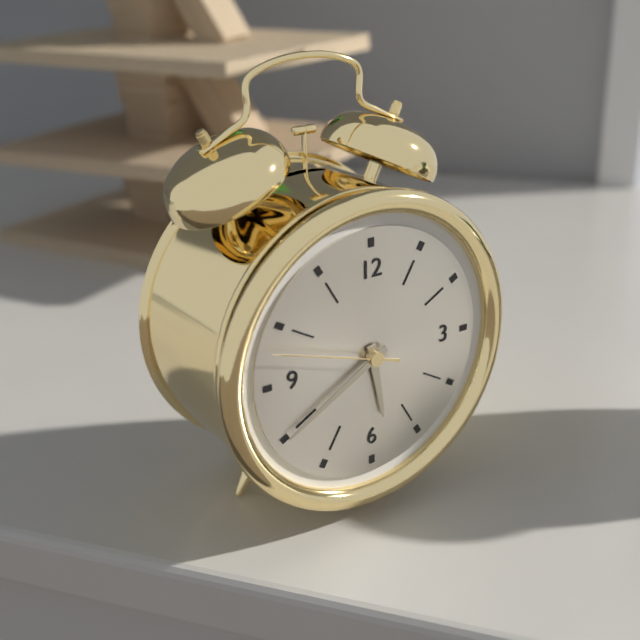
5 h 40 min 48 s
